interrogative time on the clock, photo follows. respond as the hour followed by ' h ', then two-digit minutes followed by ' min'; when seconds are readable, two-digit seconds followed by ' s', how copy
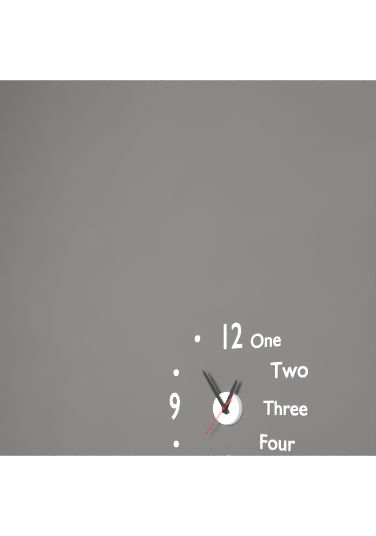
12 h 54 min
